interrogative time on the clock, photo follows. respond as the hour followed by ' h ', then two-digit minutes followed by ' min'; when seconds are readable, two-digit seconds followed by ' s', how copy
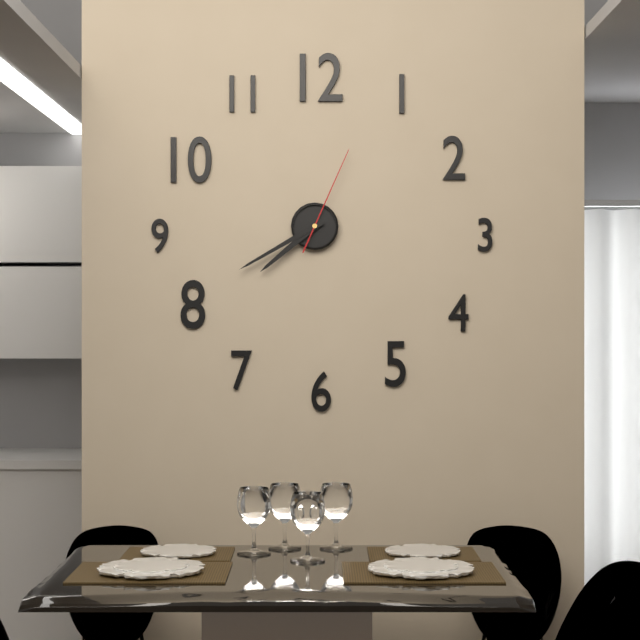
7 h 40 min 04 s
